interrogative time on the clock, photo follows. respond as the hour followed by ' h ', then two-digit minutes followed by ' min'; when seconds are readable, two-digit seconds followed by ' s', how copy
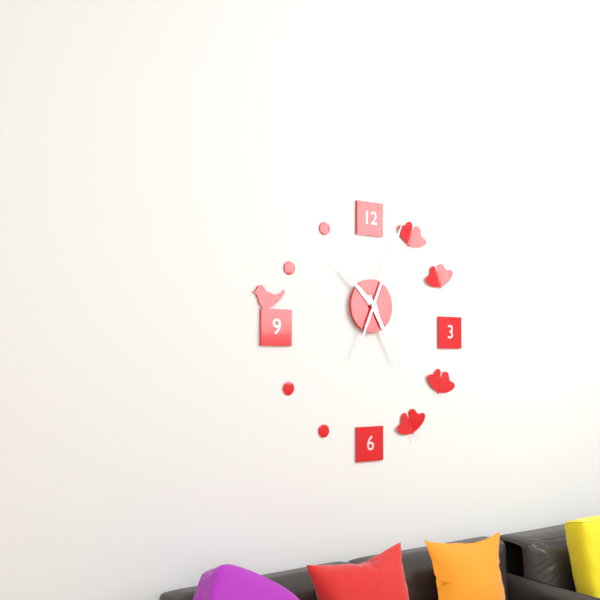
10 h 25 min 04 s
